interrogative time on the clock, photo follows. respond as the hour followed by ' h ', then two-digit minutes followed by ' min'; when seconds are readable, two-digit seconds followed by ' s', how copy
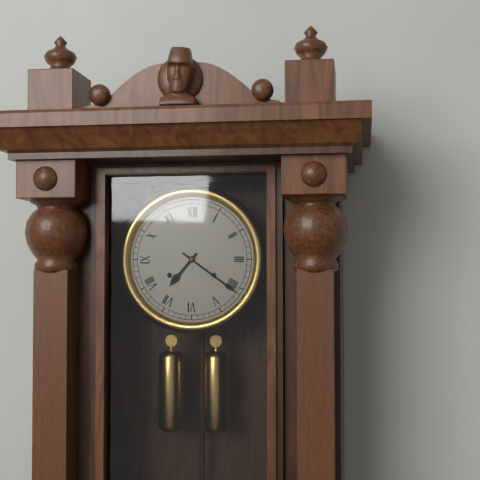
7 h 21 min
